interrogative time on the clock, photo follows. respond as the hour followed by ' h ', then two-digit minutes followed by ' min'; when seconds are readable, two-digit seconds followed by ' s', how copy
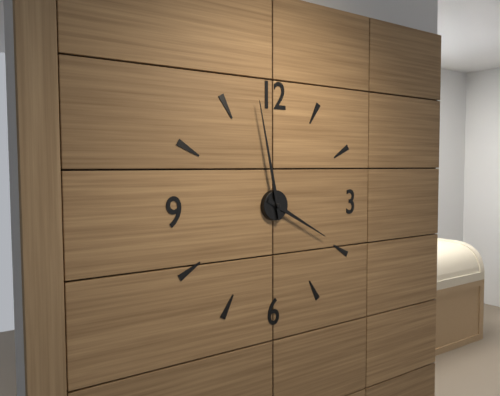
3 h 58 min
